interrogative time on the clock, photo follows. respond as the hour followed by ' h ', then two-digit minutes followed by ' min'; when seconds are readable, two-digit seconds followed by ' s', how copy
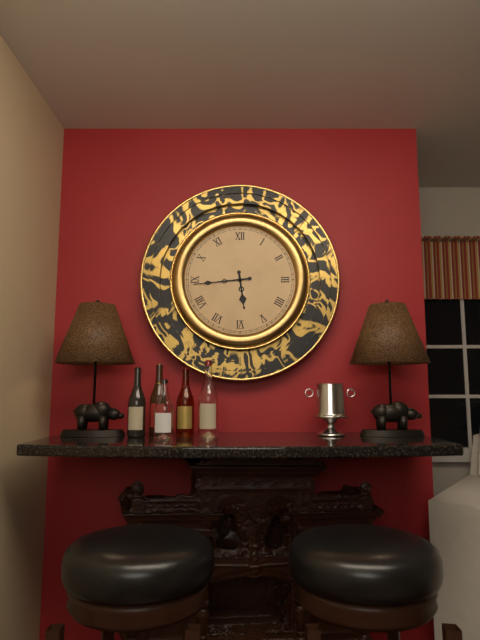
5 h 44 min
